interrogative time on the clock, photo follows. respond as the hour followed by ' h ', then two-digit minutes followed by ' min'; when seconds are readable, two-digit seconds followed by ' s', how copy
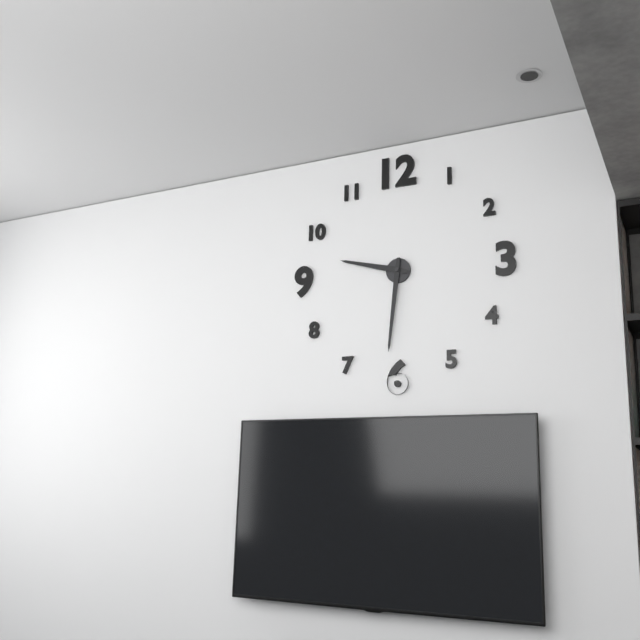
9 h 31 min
